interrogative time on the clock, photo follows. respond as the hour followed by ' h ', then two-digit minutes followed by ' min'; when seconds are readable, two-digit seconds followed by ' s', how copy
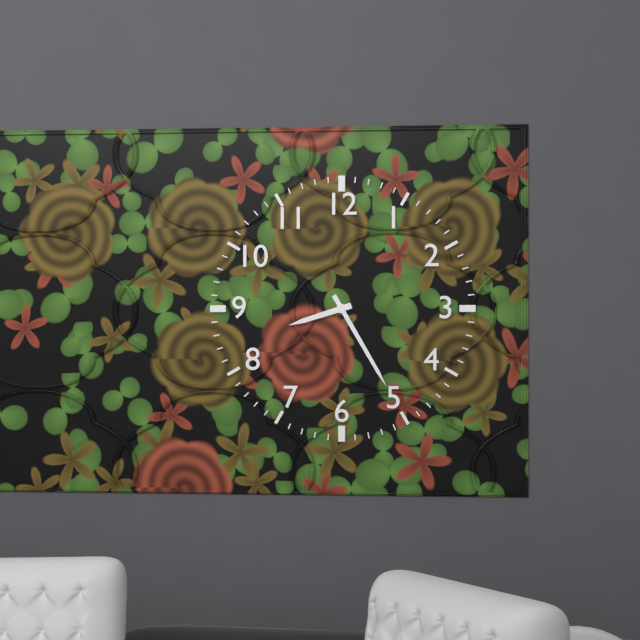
8 h 25 min
